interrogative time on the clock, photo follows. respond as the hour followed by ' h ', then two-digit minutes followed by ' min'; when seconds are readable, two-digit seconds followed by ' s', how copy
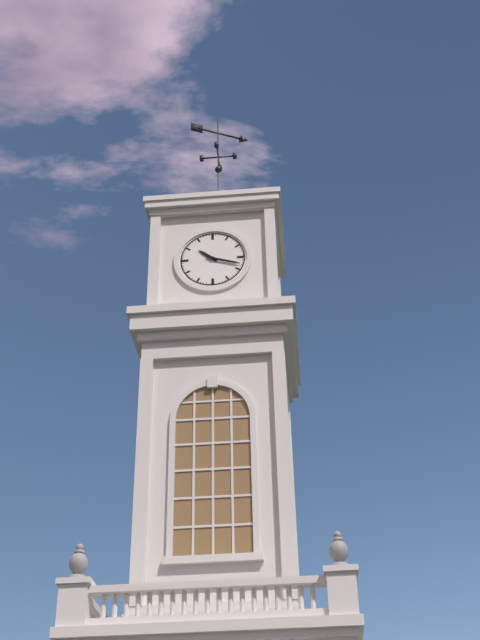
10 h 18 min
